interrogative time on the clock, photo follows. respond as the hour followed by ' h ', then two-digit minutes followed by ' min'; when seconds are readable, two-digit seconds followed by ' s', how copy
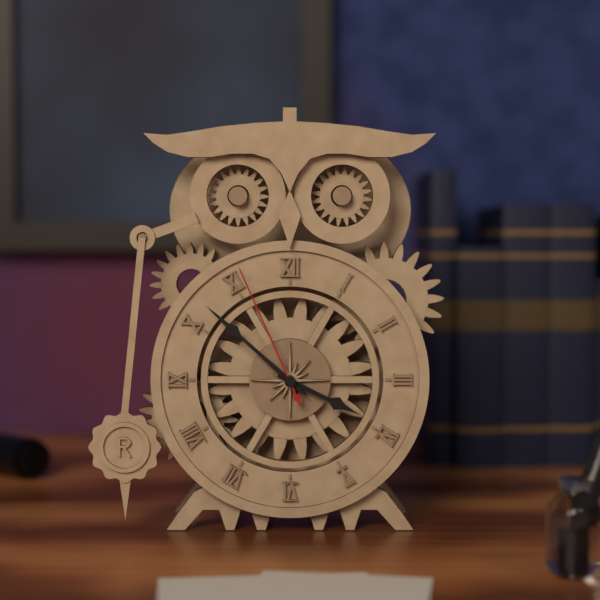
3 h 52 min 56 s
